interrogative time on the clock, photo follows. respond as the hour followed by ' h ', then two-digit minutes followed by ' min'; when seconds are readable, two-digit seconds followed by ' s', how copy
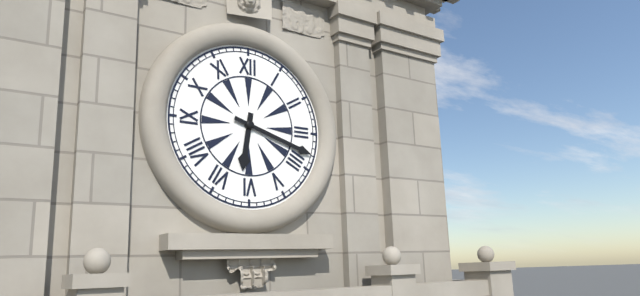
6 h 18 min
